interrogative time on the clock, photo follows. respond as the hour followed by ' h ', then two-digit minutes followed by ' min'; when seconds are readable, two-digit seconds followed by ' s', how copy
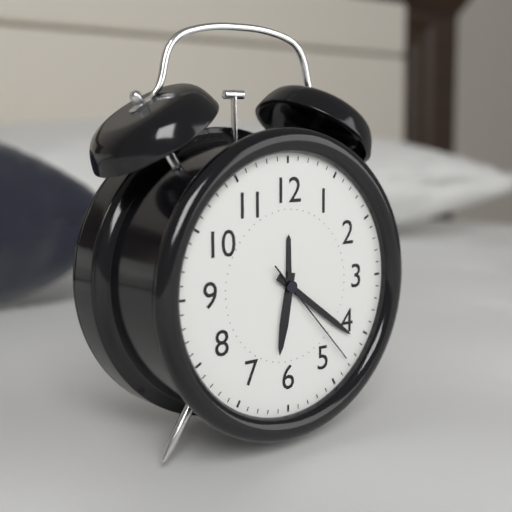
6 h 21 min 23 s
